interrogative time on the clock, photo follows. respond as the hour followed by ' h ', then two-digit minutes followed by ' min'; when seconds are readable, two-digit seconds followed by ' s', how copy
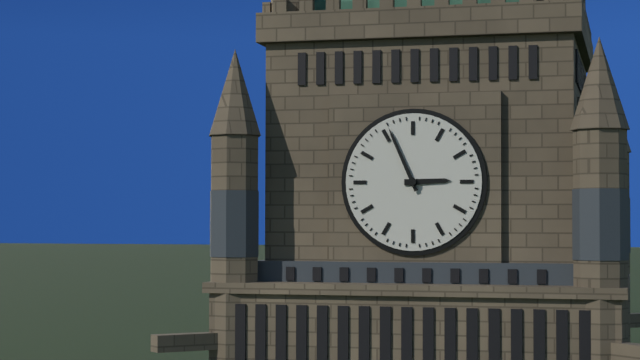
2 h 56 min
